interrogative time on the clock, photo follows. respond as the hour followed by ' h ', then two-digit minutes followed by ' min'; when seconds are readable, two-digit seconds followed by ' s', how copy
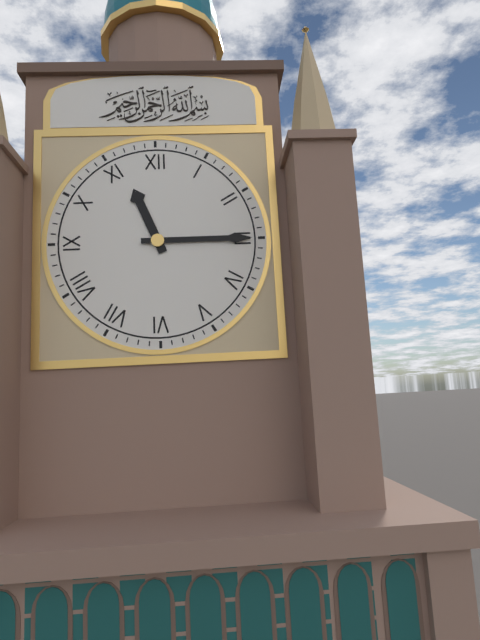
11 h 15 min
